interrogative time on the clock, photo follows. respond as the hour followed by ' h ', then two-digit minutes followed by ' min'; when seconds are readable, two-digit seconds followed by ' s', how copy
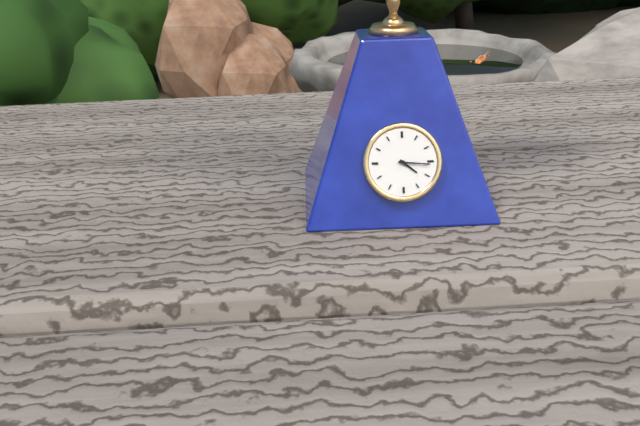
4 h 16 min
